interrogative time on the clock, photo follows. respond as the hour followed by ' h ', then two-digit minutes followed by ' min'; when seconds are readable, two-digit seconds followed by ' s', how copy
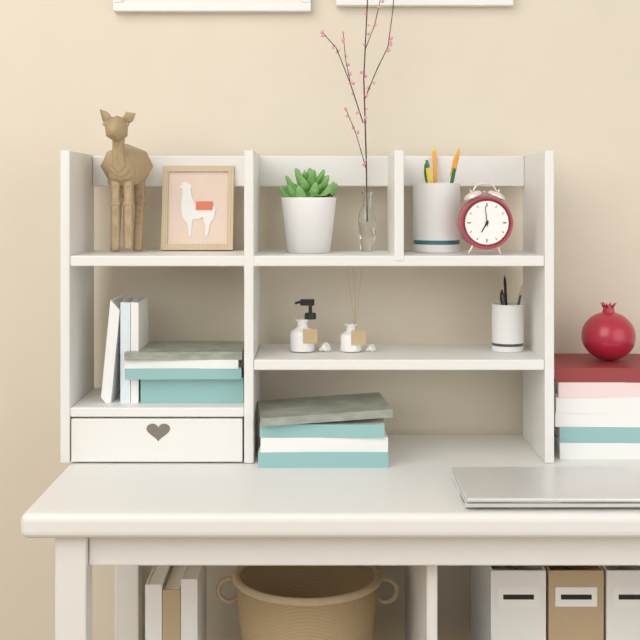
6 h 59 min
